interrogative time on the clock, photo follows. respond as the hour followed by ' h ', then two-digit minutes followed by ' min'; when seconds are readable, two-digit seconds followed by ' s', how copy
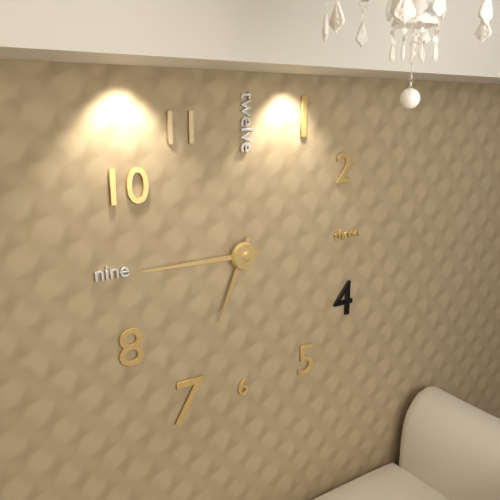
6 h 45 min
